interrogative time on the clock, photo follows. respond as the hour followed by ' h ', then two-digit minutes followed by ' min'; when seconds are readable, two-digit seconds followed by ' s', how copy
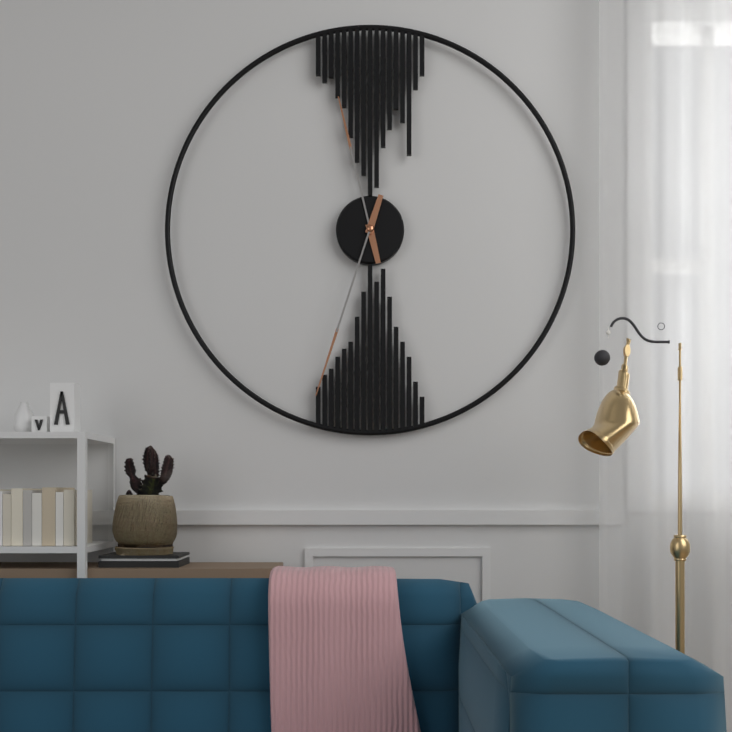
11 h 33 min
